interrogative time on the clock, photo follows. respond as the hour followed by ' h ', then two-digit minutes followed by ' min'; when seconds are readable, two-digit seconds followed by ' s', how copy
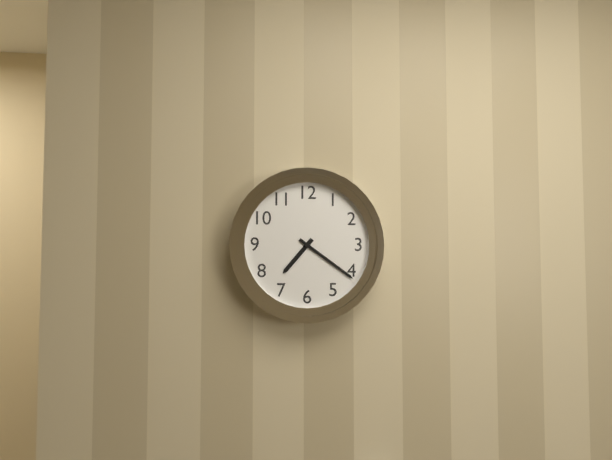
7 h 21 min
